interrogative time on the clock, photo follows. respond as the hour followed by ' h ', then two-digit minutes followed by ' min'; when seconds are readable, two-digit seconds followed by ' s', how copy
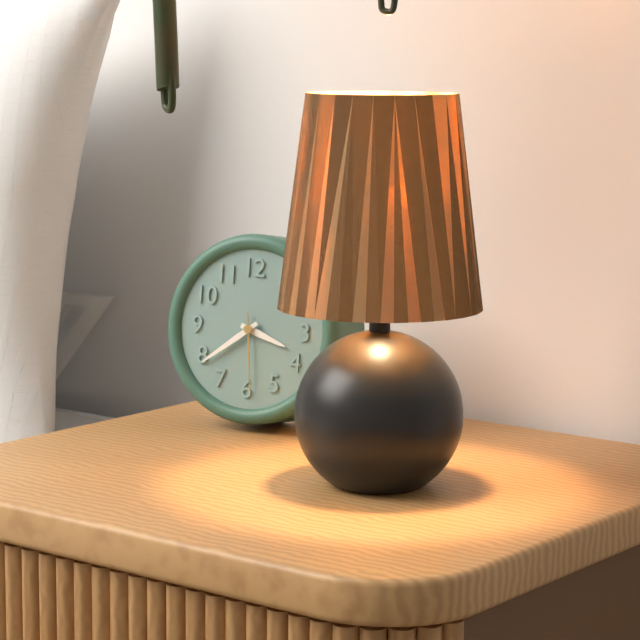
3 h 39 min 29 s
